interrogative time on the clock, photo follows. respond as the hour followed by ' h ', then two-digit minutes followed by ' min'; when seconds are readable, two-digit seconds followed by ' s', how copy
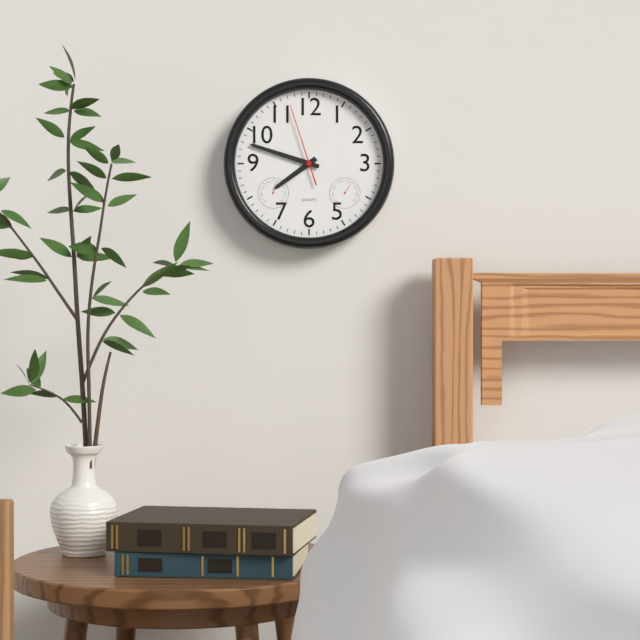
7 h 48 min 57 s
